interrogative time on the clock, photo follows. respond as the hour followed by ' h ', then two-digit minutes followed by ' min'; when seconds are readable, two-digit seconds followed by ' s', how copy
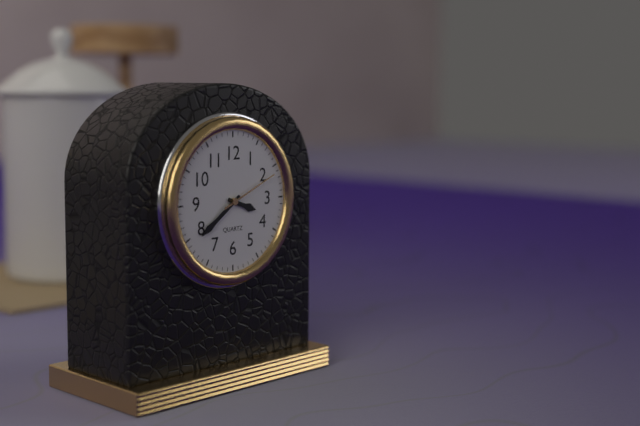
3 h 39 min 11 s
